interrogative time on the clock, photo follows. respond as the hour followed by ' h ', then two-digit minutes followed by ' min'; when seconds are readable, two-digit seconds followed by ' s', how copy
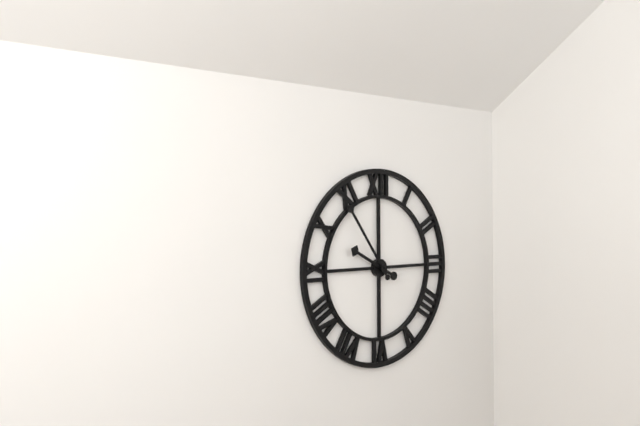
9 h 54 min
